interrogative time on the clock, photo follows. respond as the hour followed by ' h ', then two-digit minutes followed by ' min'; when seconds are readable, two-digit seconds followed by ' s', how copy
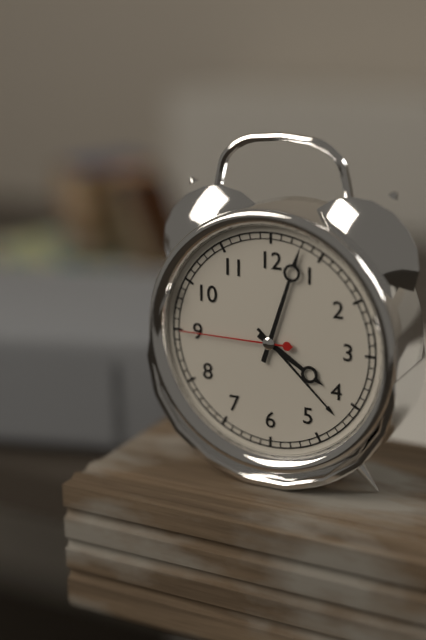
4 h 03 min 45 s
